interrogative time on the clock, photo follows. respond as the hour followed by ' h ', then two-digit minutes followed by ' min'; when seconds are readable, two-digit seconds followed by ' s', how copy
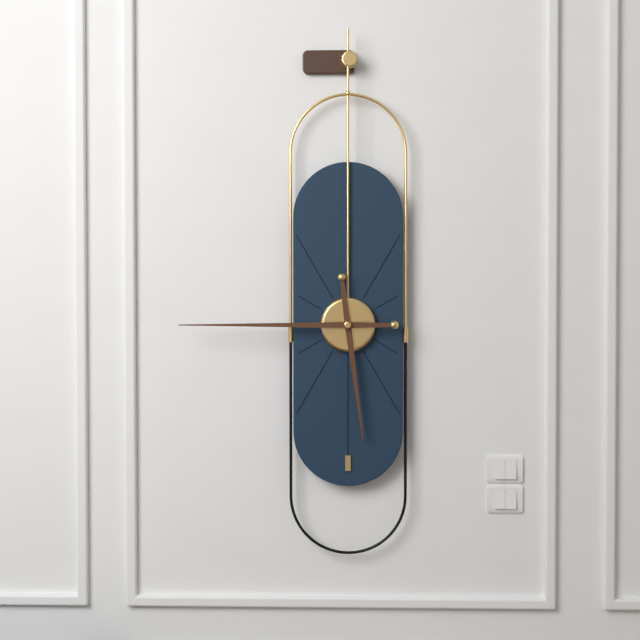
5 h 45 min
